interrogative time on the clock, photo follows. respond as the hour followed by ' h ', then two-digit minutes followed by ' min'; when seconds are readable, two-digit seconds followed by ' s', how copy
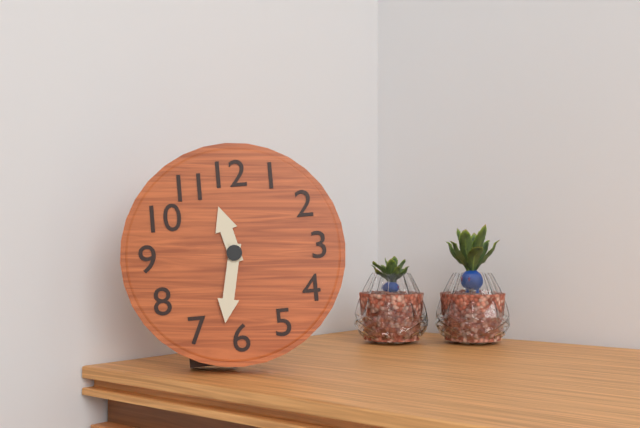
11 h 32 min
